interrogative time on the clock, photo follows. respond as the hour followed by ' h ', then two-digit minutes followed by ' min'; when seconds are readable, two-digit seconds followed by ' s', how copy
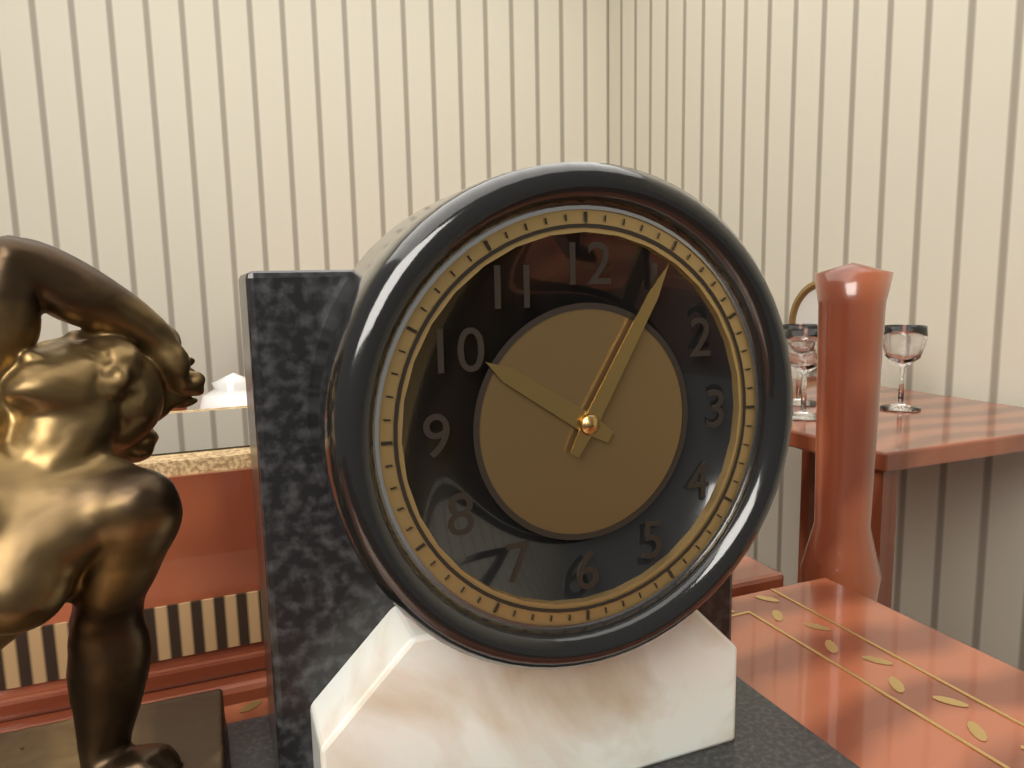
10 h 05 min
